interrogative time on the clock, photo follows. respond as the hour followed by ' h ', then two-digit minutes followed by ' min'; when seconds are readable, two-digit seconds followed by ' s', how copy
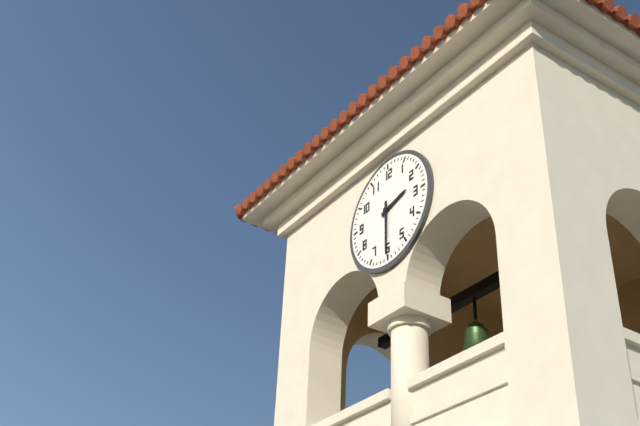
2 h 30 min
